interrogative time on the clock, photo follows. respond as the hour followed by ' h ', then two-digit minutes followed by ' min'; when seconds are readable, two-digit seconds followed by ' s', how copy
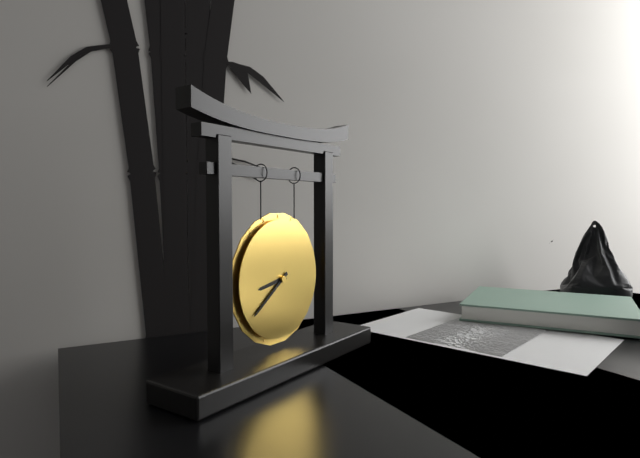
8 h 39 min
